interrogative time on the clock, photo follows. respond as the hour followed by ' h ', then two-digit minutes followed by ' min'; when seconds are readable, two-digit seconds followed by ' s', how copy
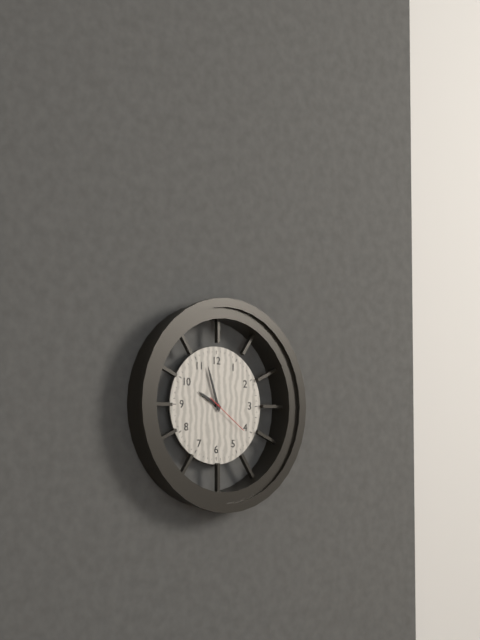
9 h 57 min
